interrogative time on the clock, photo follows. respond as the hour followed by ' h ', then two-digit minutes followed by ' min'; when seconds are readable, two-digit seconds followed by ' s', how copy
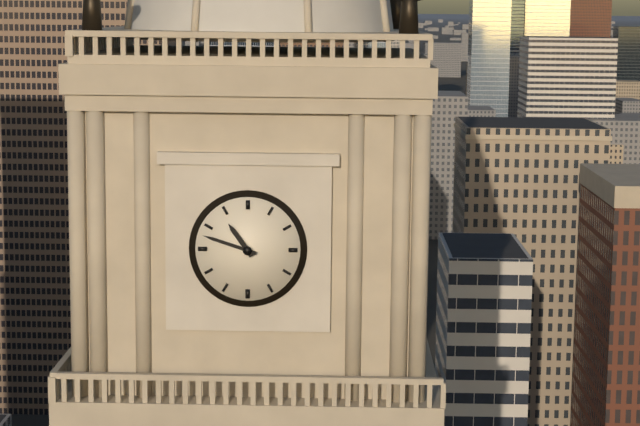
10 h 48 min
